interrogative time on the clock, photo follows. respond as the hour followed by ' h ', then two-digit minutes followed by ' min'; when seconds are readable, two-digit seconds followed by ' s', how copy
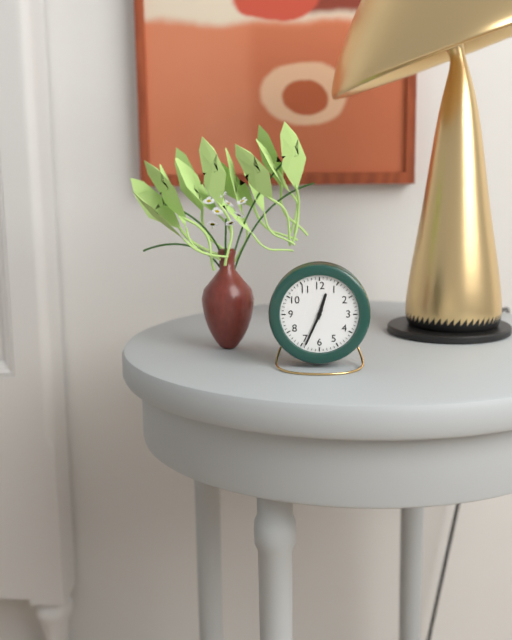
12 h 34 min
